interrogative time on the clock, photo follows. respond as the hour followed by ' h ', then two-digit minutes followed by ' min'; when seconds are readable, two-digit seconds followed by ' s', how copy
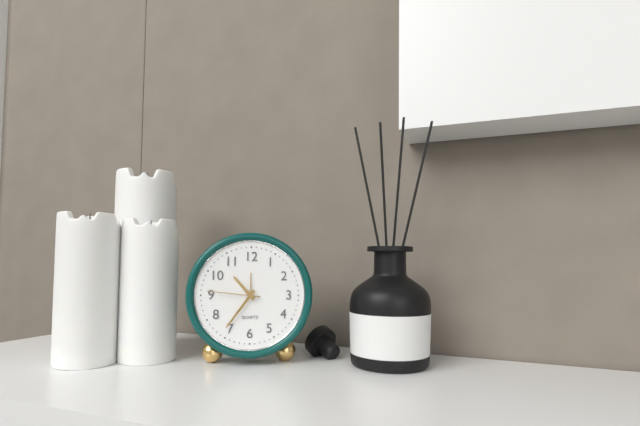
10 h 36 min 46 s
